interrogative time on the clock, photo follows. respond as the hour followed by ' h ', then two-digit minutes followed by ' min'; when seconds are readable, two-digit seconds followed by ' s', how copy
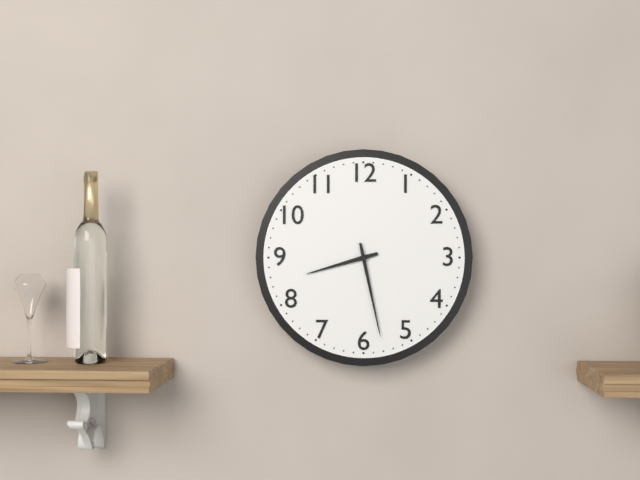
8 h 28 min
